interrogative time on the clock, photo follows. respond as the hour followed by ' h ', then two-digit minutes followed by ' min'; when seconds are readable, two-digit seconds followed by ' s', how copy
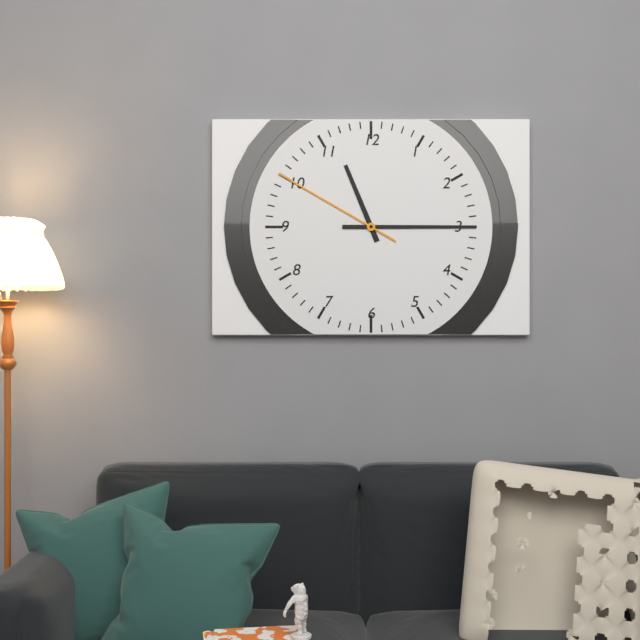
11 h 15 min 50 s
